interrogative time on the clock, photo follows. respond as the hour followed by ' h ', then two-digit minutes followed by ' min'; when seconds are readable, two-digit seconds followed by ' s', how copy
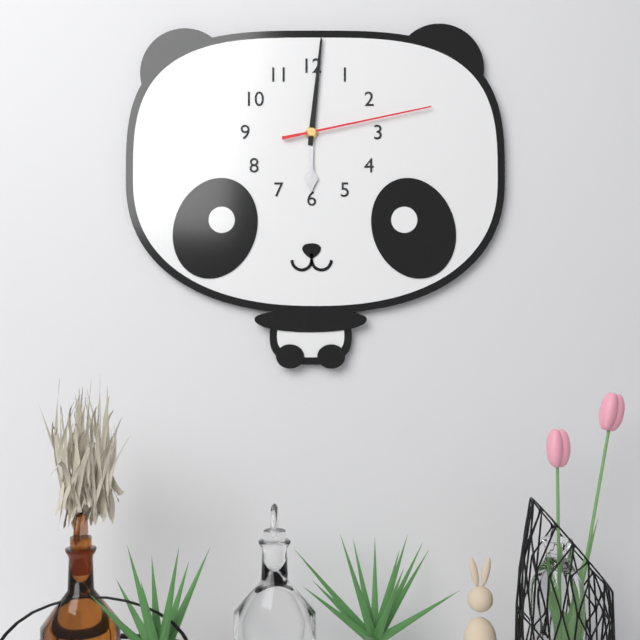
6 h 01 min 13 s
